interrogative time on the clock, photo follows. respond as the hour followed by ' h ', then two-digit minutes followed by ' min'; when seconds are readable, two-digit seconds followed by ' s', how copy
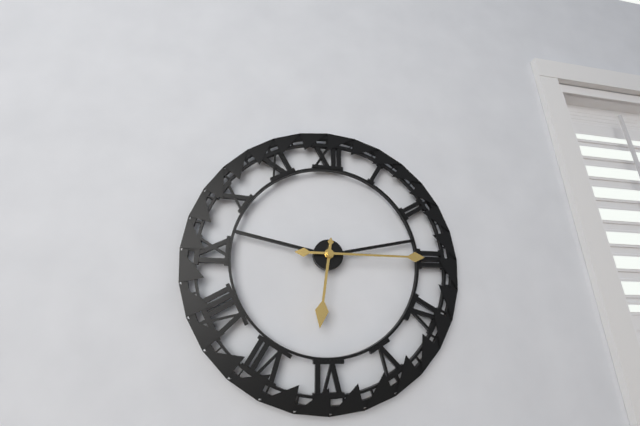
6 h 15 min
